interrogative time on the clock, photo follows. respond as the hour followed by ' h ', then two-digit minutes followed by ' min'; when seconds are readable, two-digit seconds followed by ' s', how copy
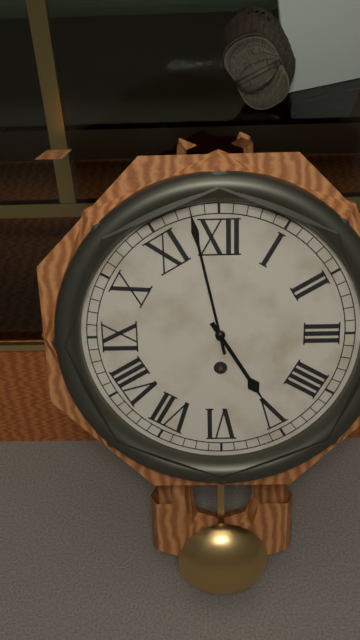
4 h 58 min
